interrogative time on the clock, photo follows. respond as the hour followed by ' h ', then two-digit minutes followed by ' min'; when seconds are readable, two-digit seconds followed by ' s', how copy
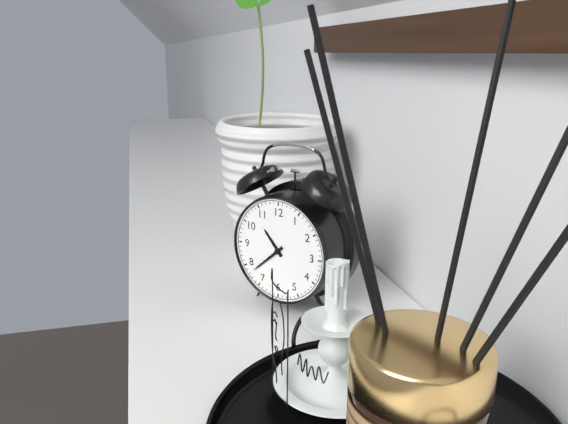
10 h 38 min
